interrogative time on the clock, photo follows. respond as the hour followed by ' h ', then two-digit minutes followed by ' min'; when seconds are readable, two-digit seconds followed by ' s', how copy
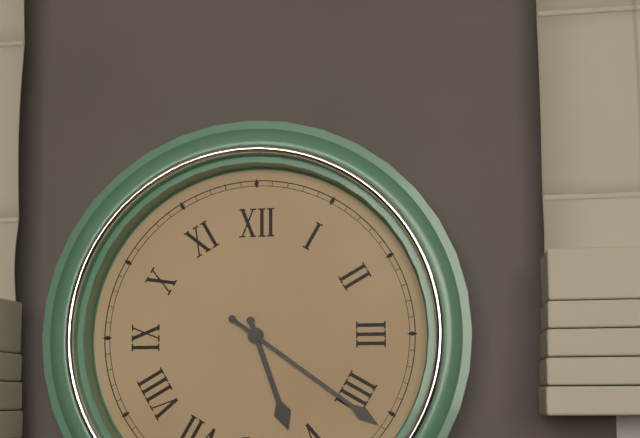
5 h 21 min
